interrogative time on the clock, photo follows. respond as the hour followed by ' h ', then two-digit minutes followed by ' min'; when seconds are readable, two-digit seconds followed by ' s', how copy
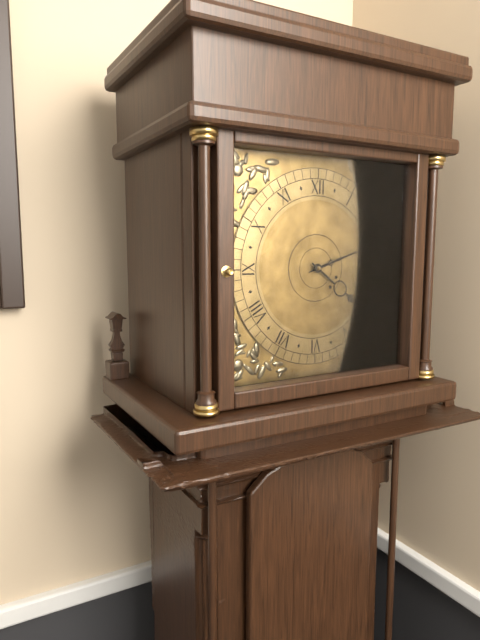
4 h 12 min
